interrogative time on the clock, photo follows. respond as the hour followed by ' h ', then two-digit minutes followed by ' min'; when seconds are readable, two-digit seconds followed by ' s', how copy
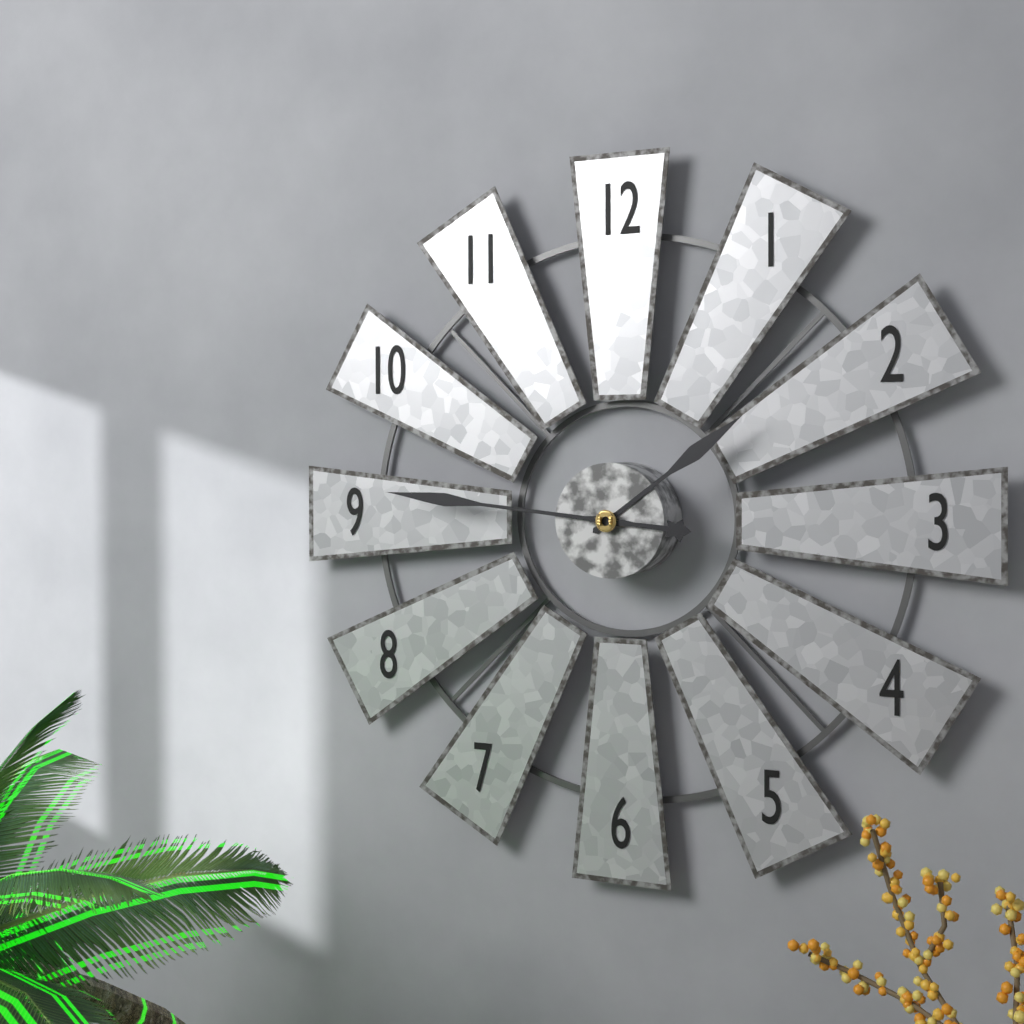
1 h 46 min
